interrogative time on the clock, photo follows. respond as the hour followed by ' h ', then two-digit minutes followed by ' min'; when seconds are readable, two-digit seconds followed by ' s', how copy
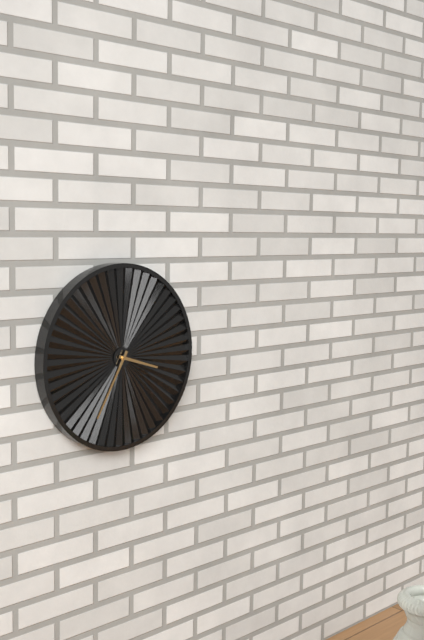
3 h 35 min
